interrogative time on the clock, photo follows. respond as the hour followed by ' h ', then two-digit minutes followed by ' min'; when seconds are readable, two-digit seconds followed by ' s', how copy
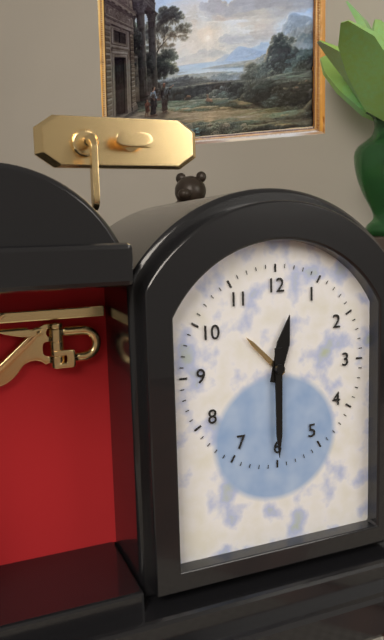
12 h 30 min
